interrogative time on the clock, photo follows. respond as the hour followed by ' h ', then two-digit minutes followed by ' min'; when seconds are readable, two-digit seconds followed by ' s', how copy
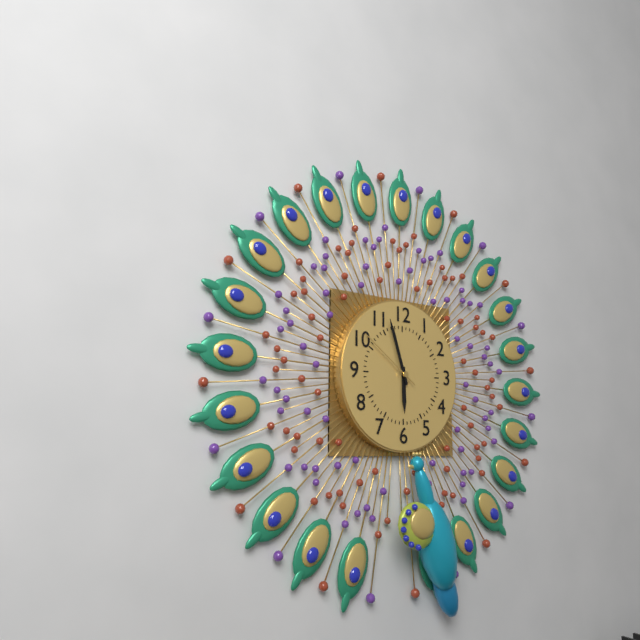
5 h 57 min 51 s
